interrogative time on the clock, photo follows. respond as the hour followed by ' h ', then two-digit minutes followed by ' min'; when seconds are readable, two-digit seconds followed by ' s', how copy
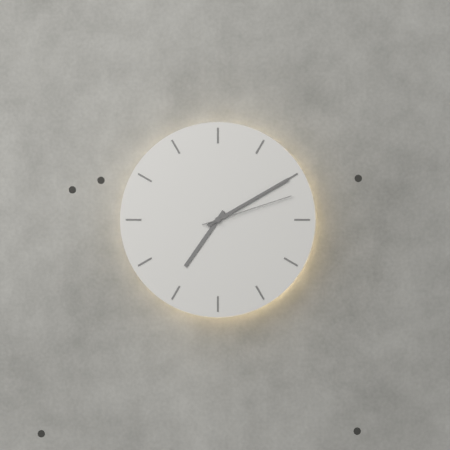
7 h 10 min 12 s
